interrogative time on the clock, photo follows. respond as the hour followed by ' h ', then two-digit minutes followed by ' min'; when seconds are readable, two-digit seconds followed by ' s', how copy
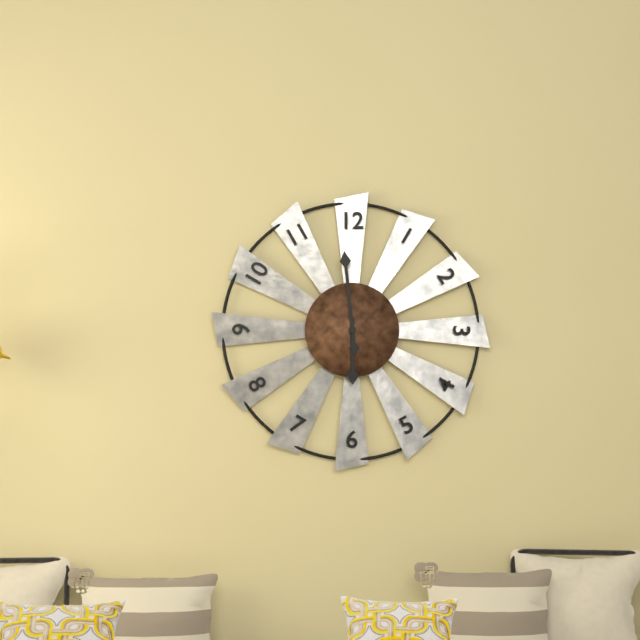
5 h 59 min
